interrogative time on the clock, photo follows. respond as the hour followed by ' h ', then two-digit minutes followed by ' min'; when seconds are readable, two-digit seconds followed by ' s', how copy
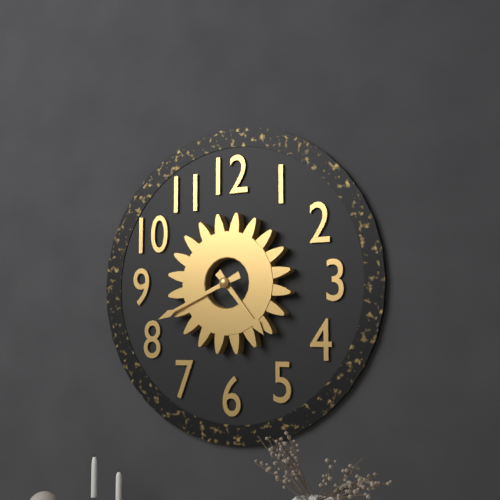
4 h 41 min
